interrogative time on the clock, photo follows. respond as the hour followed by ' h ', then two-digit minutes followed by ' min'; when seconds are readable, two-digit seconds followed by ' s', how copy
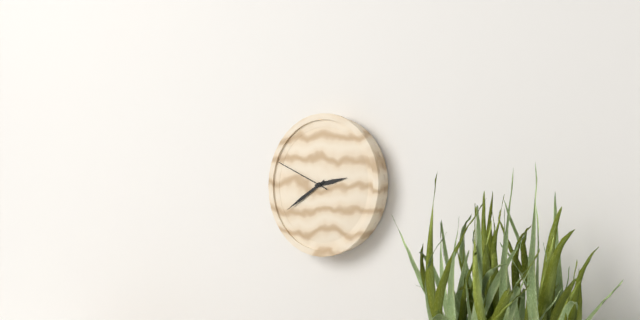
2 h 40 min 49 s
